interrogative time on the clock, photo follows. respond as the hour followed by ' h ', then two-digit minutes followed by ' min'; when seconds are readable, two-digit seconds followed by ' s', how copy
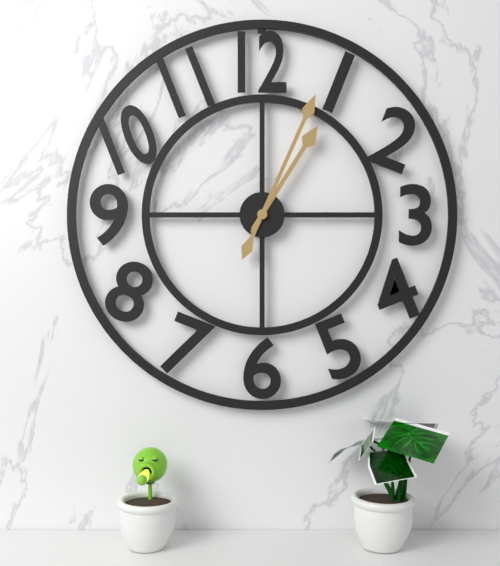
1 h 04 min
